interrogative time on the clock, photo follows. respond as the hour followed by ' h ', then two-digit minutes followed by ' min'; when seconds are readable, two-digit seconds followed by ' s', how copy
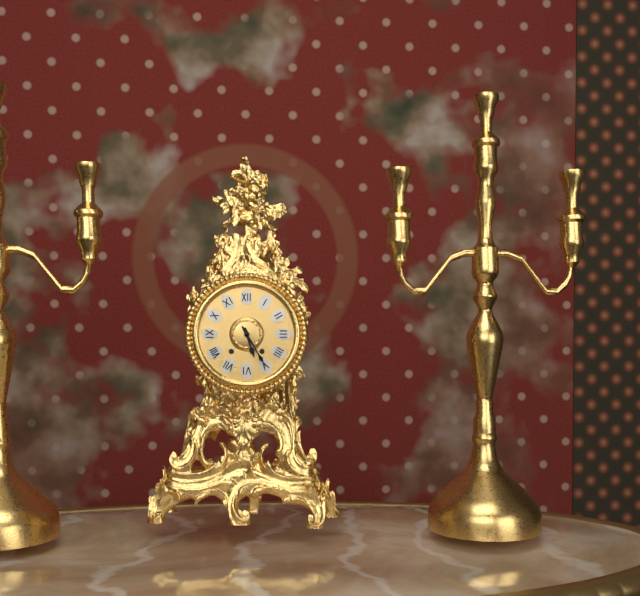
5 h 25 min
